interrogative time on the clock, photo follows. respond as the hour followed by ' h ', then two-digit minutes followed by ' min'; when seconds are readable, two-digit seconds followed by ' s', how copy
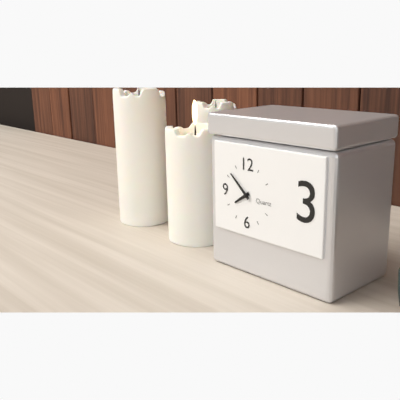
7 h 52 min
